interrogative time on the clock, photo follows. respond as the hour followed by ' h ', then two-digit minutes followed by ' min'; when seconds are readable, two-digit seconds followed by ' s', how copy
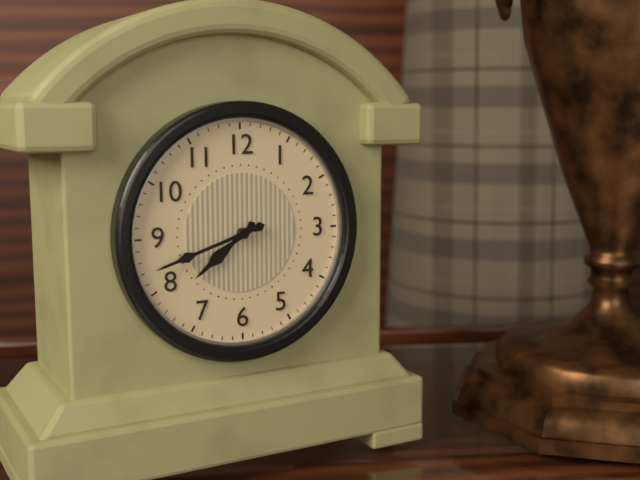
7 h 42 min
